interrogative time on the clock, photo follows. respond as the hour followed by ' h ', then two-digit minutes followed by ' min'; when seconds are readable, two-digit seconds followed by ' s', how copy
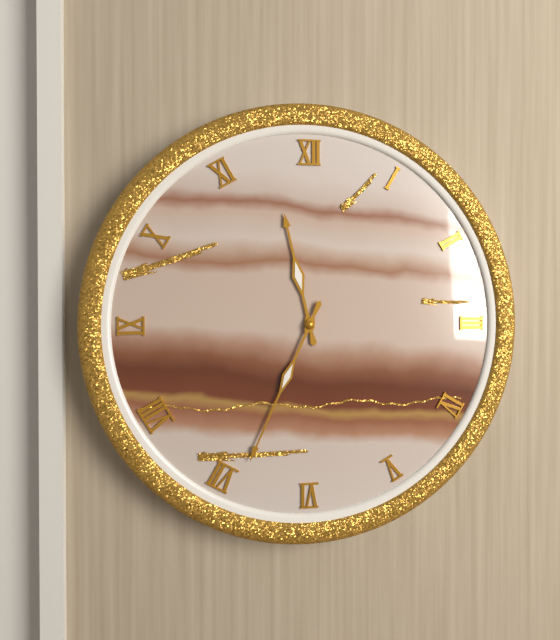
11 h 34 min
